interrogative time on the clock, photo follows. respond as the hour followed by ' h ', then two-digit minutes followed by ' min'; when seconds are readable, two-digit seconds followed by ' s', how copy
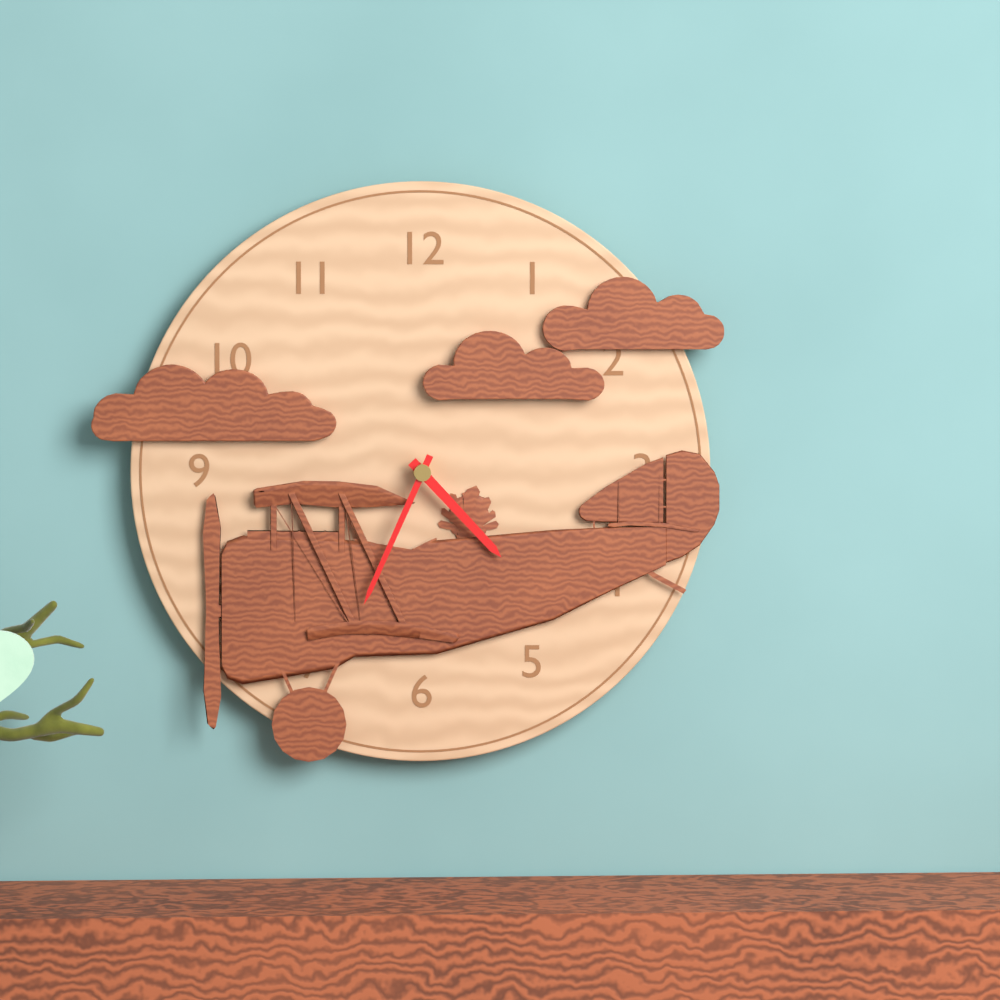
4 h 34 min
